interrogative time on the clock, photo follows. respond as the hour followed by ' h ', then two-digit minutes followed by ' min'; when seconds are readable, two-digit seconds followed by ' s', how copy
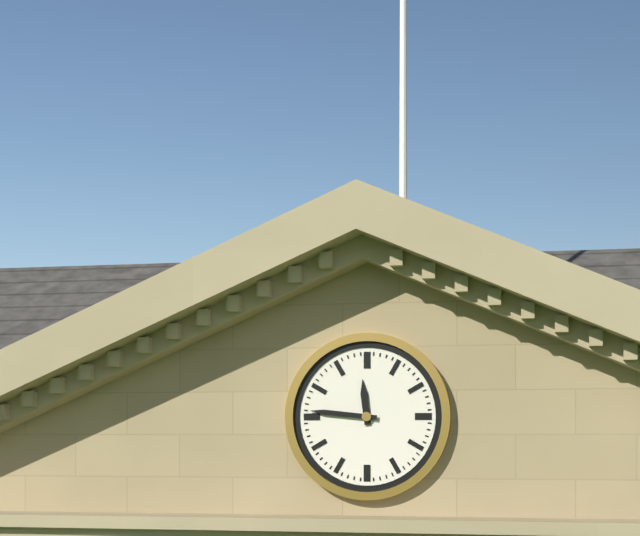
11 h 46 min
